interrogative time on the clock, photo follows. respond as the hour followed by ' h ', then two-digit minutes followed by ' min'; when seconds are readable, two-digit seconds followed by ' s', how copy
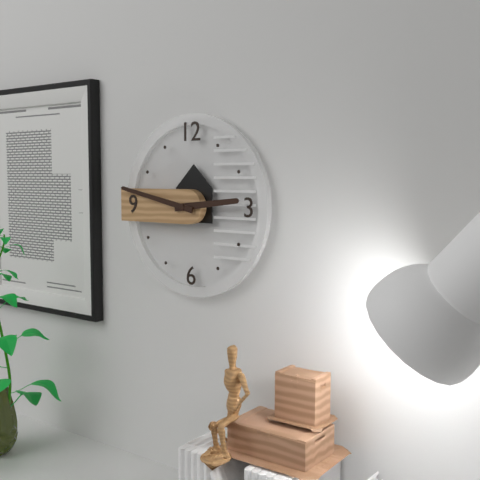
2 h 47 min
